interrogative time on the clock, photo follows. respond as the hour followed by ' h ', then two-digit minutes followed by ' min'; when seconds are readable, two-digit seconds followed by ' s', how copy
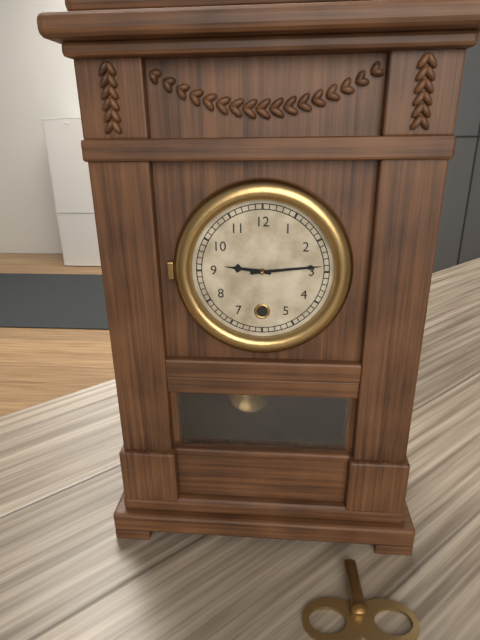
9 h 14 min
